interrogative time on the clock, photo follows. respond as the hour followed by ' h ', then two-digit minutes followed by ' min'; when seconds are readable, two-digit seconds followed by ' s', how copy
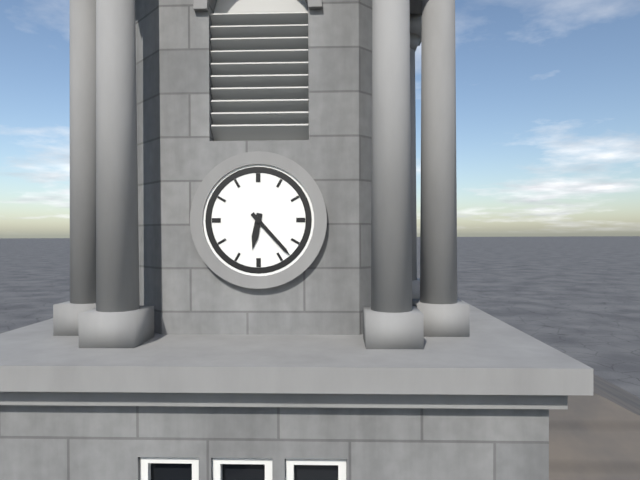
6 h 23 min
